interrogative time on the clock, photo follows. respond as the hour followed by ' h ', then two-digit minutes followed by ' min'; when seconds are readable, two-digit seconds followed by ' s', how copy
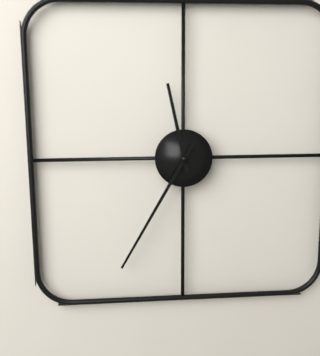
11 h 35 min
